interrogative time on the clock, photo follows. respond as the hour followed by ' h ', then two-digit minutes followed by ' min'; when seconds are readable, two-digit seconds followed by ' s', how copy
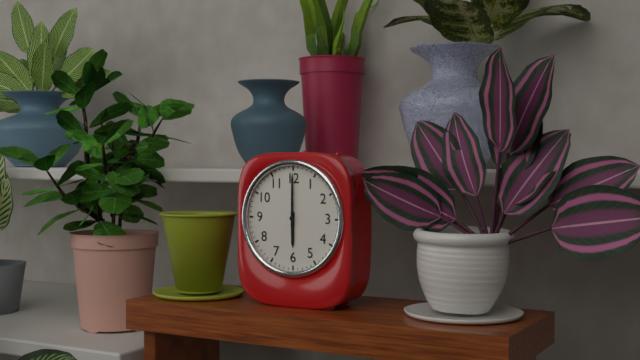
6 h 00 min
